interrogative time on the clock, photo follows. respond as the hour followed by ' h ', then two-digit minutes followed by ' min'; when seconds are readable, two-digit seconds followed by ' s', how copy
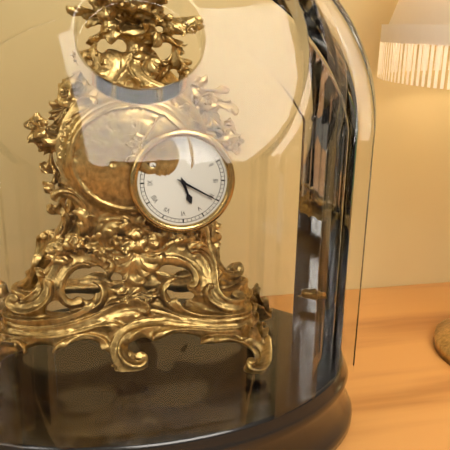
5 h 20 min
